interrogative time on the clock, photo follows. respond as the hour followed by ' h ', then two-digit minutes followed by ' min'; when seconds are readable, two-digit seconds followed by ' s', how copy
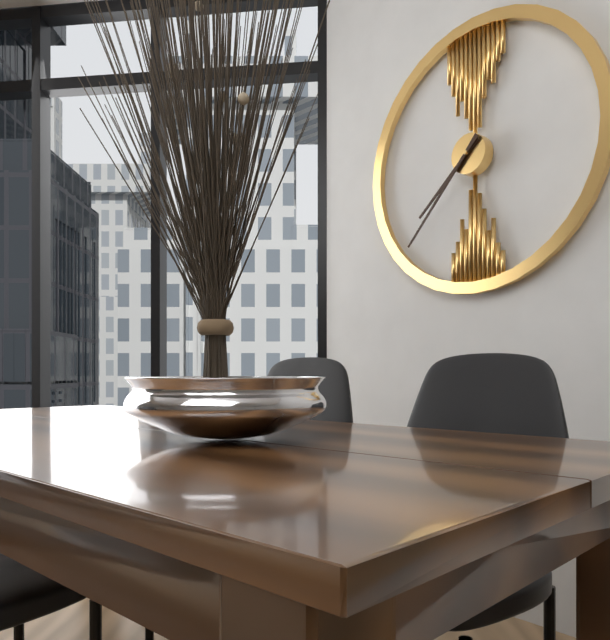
7 h 37 min
